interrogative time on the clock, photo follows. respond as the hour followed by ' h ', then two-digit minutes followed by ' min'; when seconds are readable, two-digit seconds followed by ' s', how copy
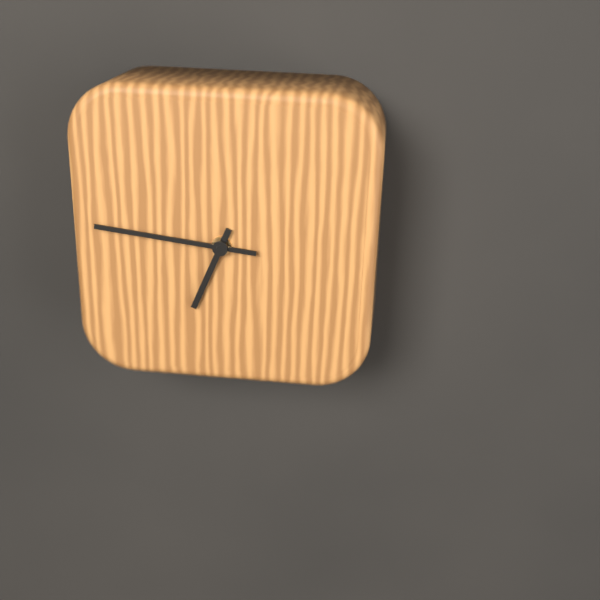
6 h 46 min
